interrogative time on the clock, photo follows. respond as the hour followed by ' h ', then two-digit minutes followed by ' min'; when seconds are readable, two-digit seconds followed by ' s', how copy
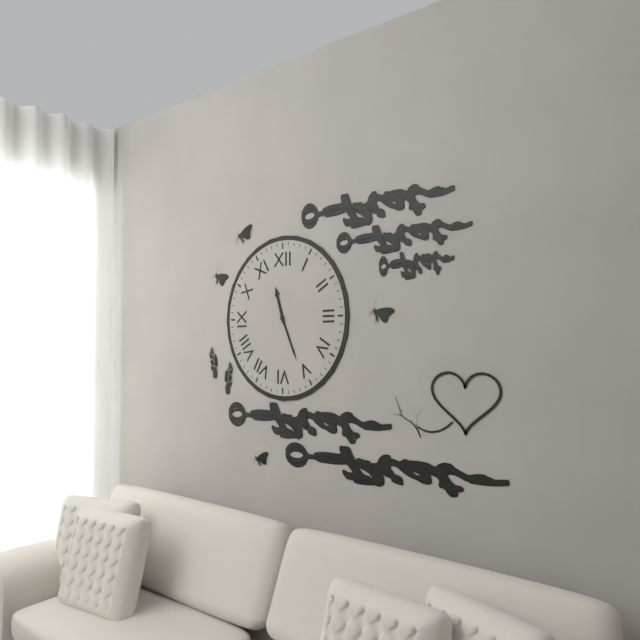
11 h 26 min
